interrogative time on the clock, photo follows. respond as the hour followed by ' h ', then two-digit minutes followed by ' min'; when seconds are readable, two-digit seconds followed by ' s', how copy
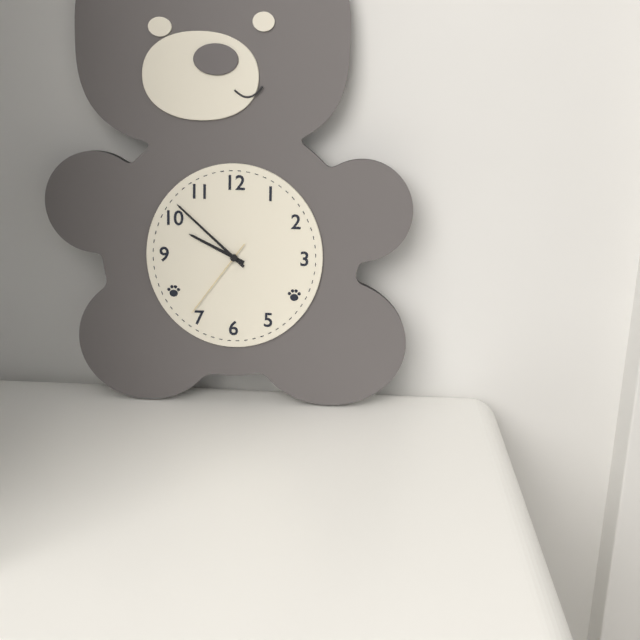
9 h 52 min 36 s
